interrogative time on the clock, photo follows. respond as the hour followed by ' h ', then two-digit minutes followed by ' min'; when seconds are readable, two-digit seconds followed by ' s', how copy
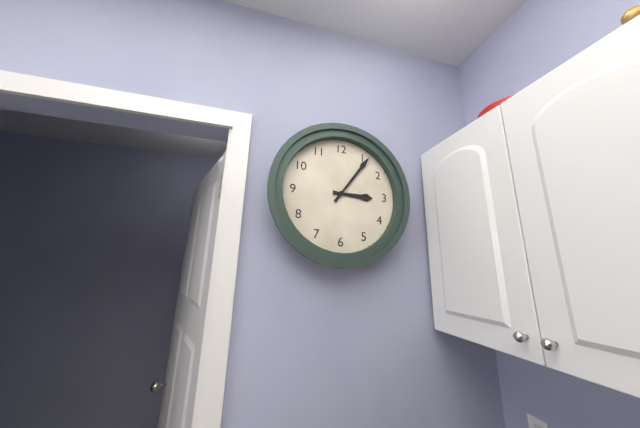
3 h 06 min
